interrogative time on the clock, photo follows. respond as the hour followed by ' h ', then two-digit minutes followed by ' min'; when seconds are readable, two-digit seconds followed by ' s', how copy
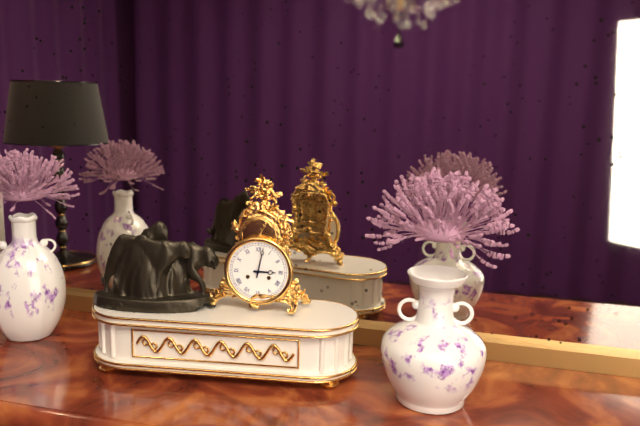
3 h 02 min
